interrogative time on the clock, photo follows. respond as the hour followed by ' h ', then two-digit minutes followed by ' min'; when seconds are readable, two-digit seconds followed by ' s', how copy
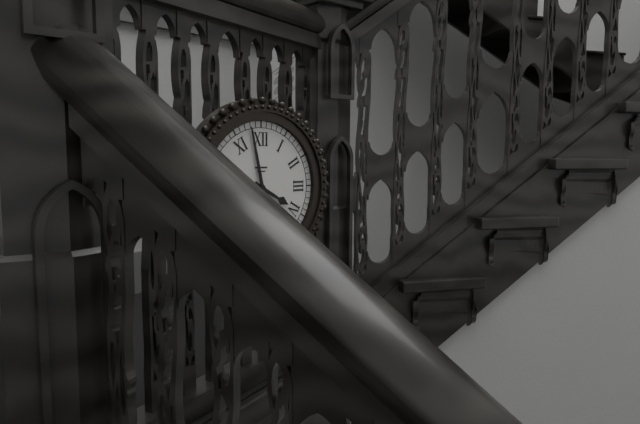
3 h 58 min
